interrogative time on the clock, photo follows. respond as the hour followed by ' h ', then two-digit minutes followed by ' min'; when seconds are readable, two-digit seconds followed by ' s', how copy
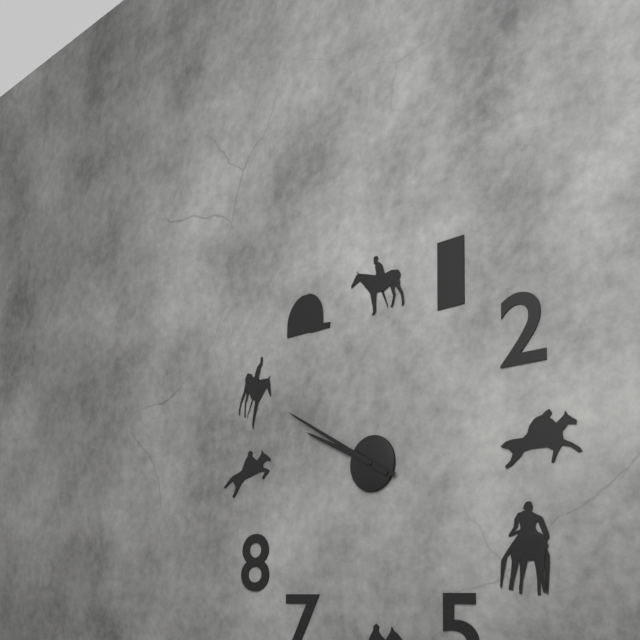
9 h 50 min
